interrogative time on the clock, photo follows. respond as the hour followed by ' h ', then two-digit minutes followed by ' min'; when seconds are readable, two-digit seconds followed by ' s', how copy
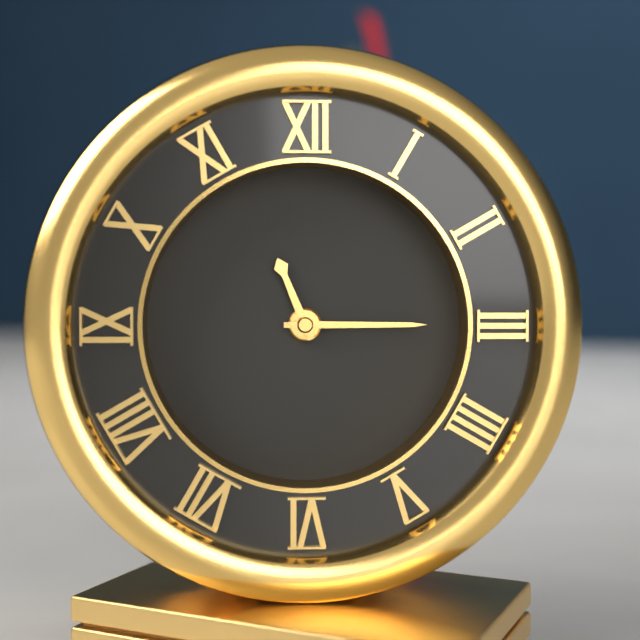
11 h 15 min
